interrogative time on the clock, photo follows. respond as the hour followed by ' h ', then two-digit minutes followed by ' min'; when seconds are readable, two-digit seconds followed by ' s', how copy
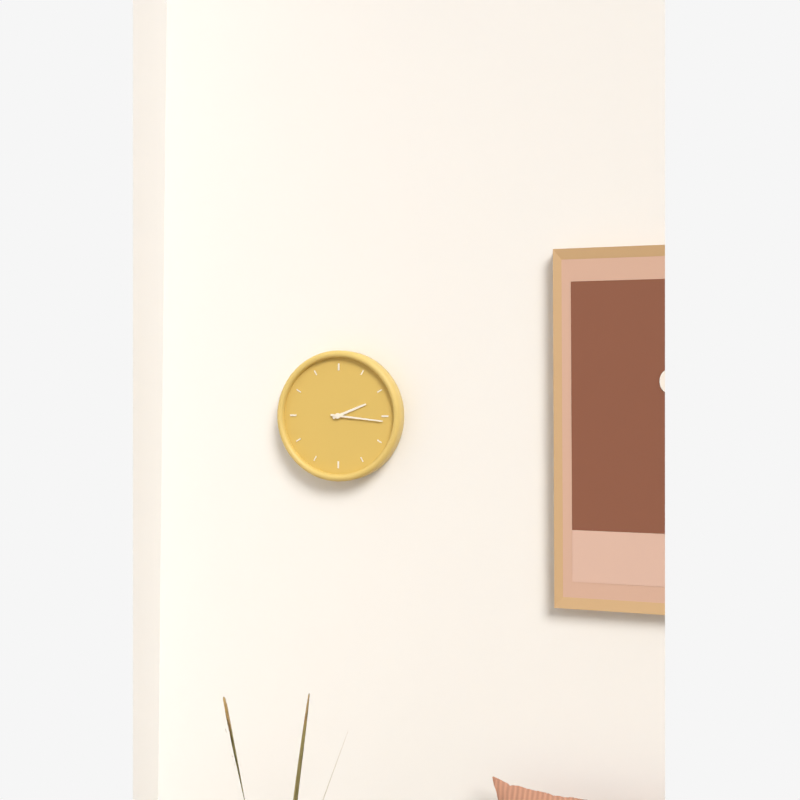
2 h 16 min
